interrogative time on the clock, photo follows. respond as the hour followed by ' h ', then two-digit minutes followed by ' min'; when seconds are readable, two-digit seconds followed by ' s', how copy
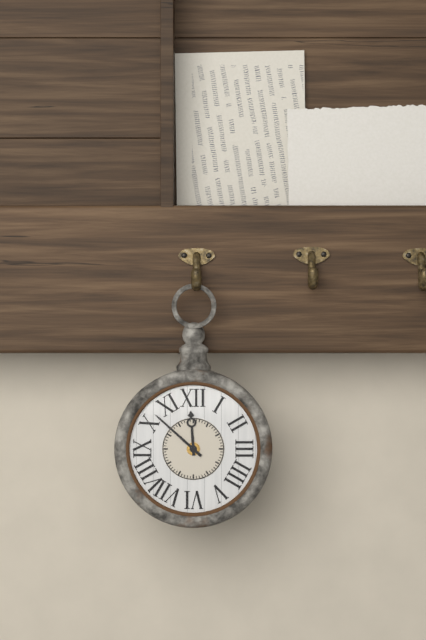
11 h 52 min
